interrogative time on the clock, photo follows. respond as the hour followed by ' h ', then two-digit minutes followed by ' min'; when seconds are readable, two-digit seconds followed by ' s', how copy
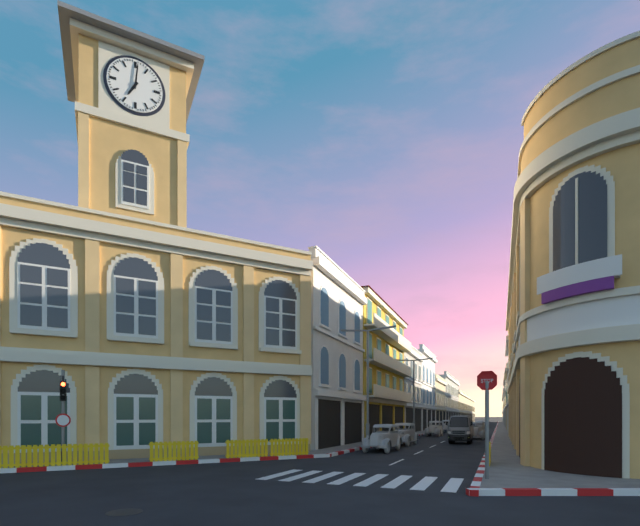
7 h 01 min
